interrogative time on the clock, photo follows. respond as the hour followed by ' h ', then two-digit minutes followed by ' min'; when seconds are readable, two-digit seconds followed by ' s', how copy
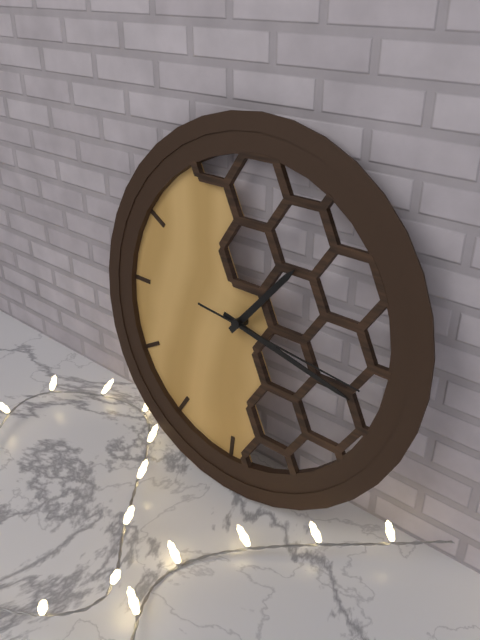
1 h 17 min 16 s
